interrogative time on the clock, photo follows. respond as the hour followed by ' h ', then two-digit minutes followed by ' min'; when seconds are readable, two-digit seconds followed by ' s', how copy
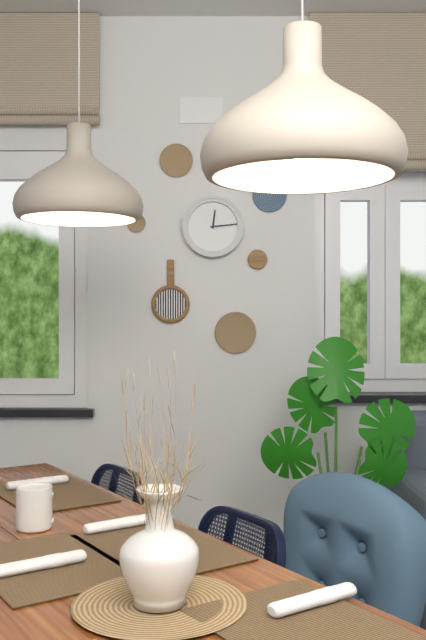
12 h 14 min
